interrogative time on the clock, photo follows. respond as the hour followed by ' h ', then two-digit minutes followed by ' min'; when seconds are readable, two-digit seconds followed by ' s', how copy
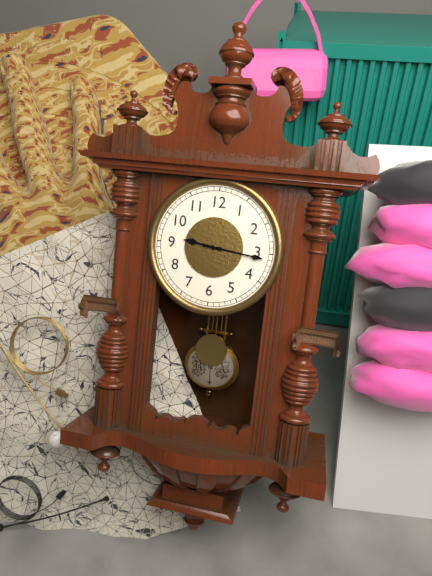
9 h 16 min
